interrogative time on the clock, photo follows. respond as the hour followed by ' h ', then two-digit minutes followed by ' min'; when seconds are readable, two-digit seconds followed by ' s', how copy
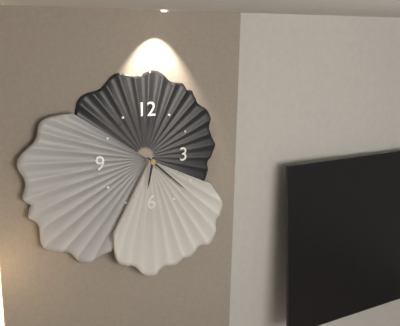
6 h 22 min
